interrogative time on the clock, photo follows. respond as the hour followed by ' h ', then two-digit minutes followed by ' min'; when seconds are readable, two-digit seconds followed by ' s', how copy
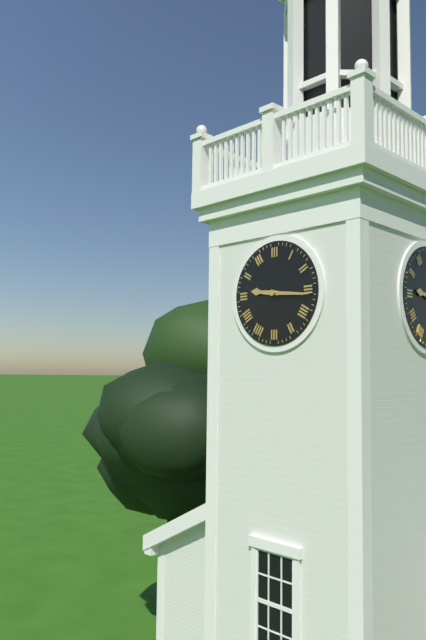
9 h 16 min
